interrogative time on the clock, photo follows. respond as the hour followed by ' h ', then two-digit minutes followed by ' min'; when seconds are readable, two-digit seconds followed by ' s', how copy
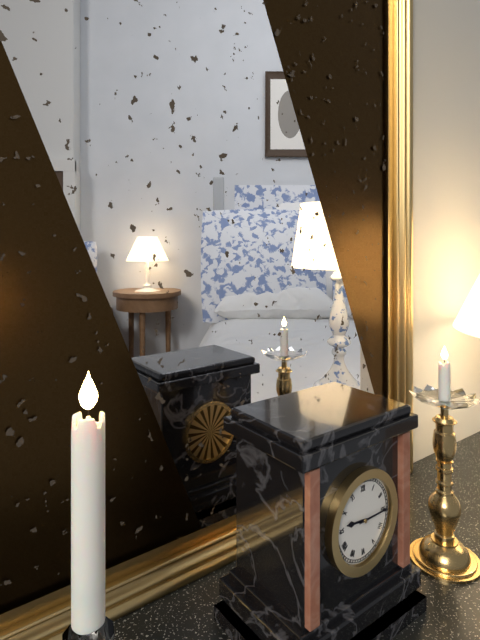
9 h 15 min
